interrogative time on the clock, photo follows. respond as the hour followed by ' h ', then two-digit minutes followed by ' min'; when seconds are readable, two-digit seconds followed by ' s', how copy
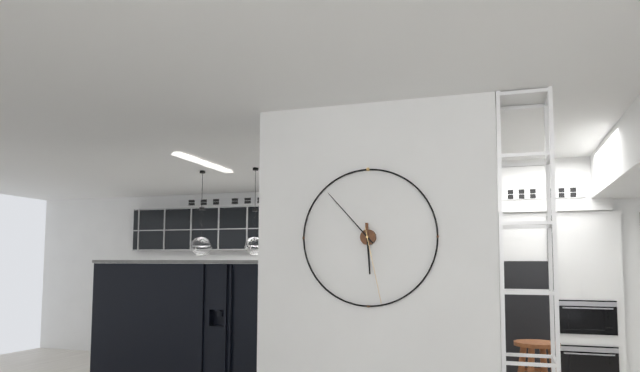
5 h 53 min 28 s
